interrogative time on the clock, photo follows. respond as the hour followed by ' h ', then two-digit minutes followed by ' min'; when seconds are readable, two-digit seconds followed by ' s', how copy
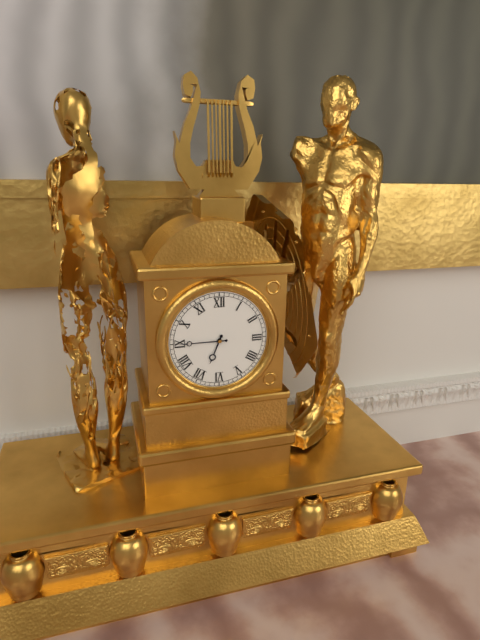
6 h 45 min
